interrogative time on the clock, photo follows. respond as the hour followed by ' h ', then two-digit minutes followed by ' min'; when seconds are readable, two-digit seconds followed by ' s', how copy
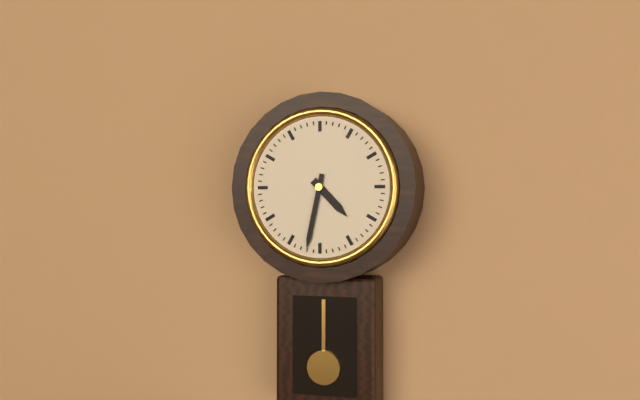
4 h 32 min
